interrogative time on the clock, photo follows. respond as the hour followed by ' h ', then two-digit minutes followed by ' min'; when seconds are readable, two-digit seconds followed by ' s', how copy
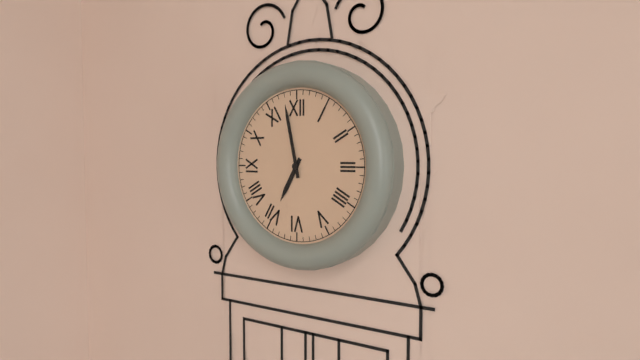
6 h 58 min
